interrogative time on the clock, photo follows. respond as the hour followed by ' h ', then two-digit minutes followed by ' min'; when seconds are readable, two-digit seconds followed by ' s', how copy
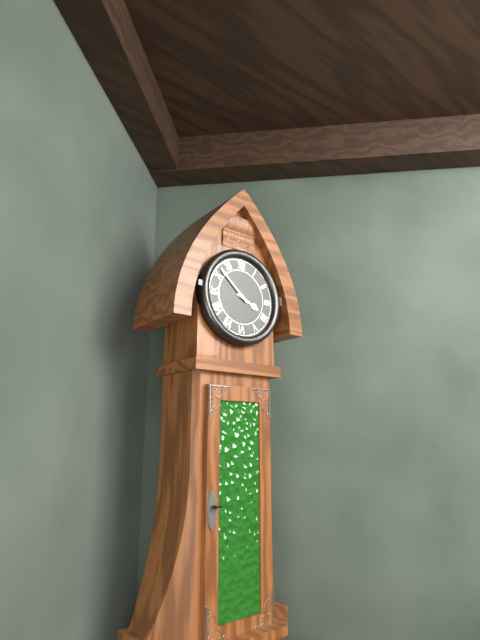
3 h 52 min
